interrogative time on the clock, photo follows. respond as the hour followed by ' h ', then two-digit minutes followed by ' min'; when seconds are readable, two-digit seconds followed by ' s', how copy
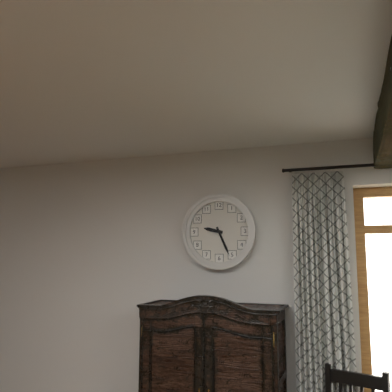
9 h 26 min
